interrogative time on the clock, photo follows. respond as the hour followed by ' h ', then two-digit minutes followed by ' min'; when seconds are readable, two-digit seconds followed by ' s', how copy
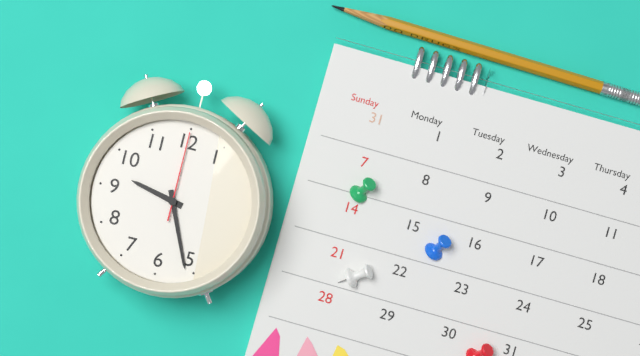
9 h 26 min 00 s
